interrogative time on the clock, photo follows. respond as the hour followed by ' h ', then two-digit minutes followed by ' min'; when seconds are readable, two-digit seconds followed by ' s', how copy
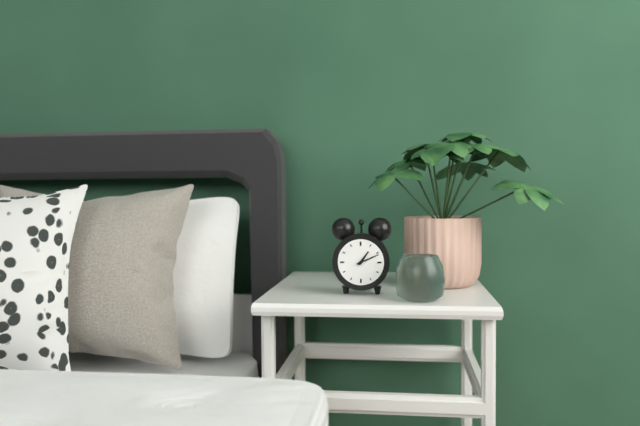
1 h 11 min
